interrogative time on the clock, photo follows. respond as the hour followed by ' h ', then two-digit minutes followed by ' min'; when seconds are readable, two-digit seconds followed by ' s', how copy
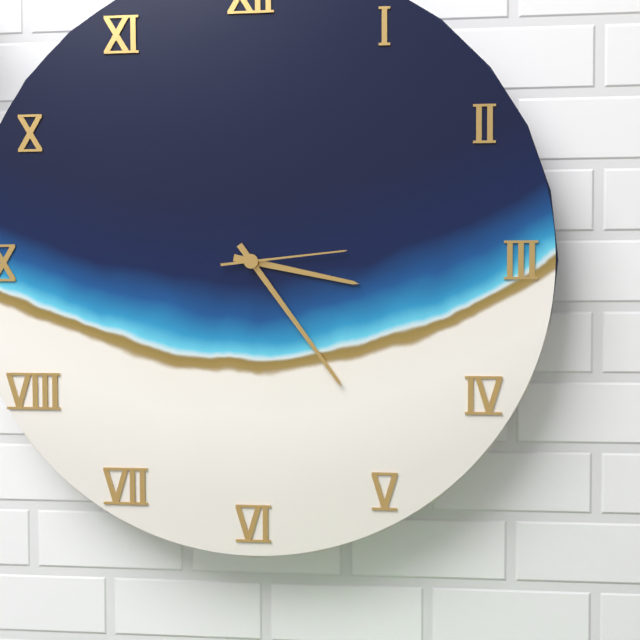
3 h 24 min 14 s
